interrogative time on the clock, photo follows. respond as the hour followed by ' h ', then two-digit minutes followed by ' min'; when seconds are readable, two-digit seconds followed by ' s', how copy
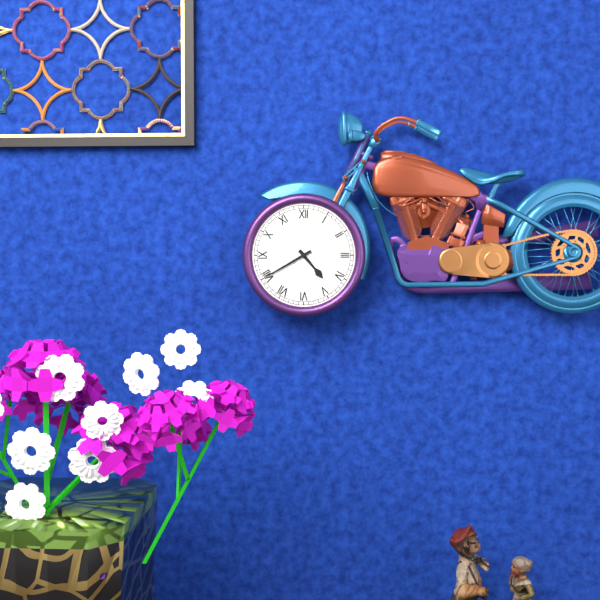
4 h 40 min
